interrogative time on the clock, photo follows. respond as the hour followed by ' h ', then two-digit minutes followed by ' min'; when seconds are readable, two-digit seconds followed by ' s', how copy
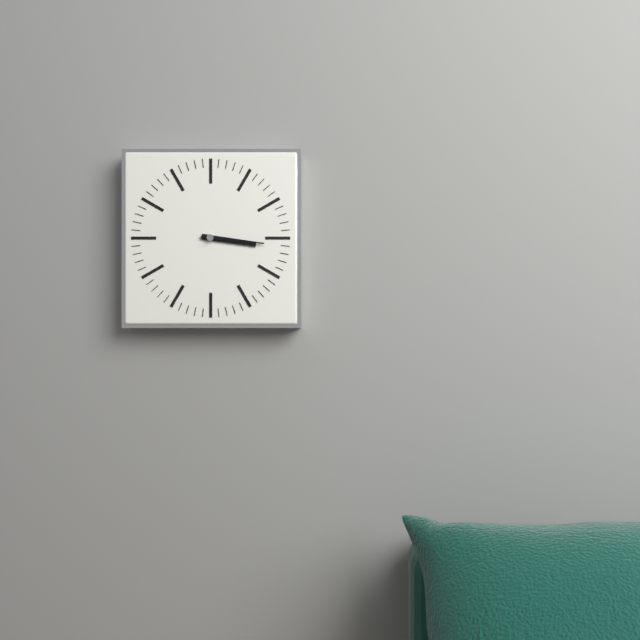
3 h 16 min
